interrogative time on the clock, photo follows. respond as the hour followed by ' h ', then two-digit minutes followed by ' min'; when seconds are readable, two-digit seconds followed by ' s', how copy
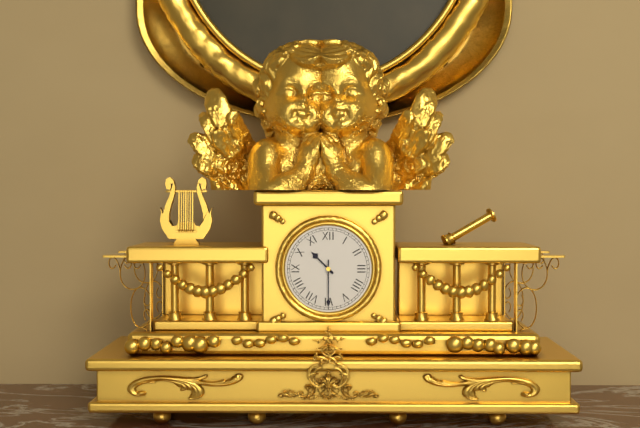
10 h 30 min
